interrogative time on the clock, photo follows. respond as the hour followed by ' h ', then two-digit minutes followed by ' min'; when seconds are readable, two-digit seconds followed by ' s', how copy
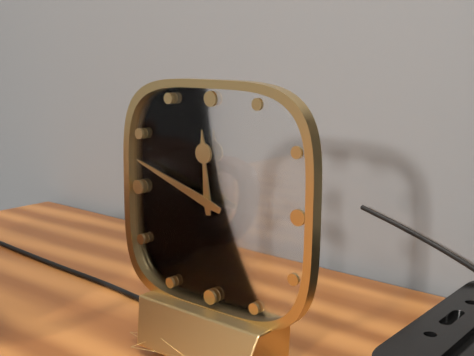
11 h 48 min
